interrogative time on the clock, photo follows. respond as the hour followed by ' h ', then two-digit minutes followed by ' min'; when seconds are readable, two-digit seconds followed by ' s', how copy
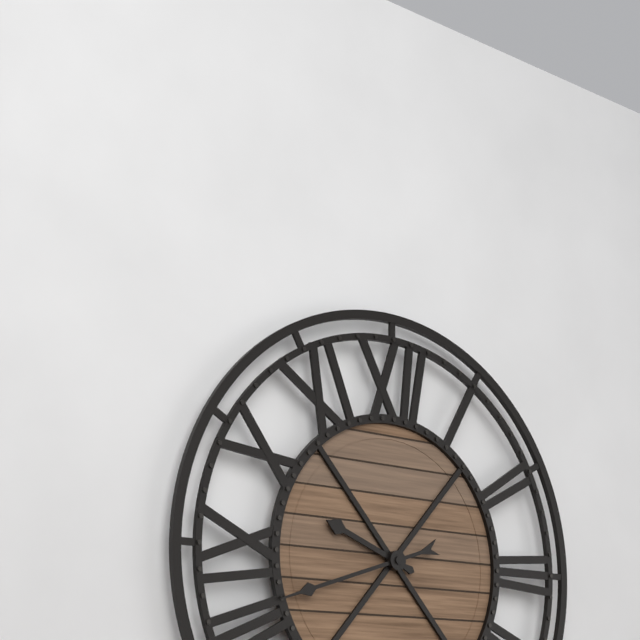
9 h 42 min
